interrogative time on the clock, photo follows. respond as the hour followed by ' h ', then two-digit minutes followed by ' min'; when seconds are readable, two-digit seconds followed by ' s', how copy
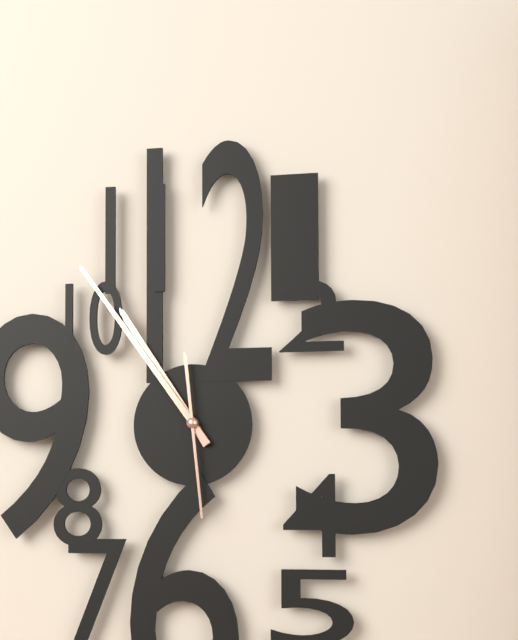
10 h 54 min 29 s
